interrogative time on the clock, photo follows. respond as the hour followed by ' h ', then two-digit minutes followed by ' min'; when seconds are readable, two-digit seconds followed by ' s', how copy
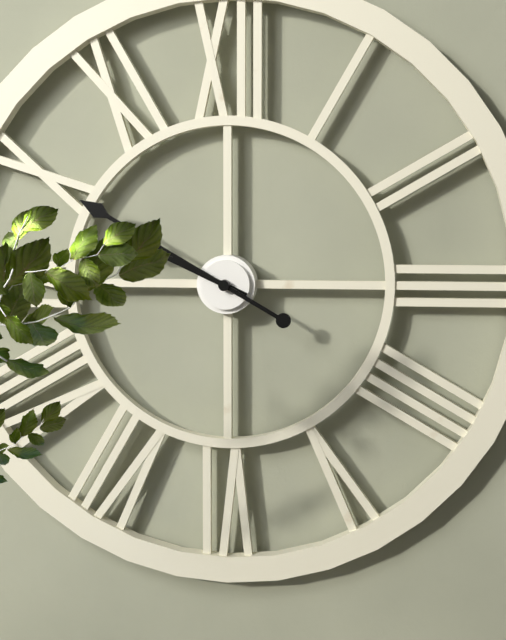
9 h 50 min
